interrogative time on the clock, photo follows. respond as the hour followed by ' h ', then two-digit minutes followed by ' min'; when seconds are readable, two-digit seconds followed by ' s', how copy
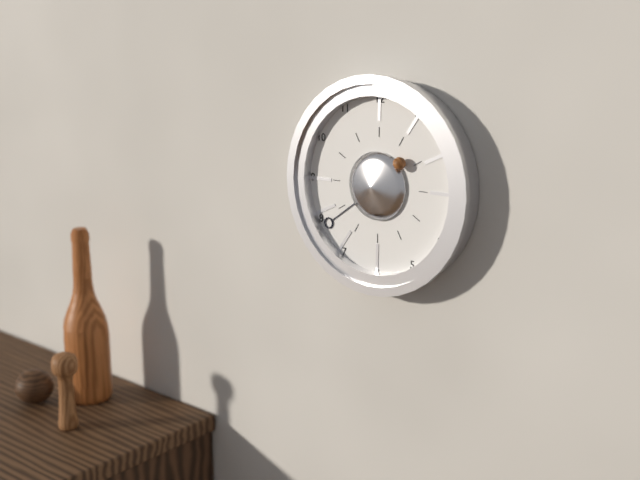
1 h 39 min
